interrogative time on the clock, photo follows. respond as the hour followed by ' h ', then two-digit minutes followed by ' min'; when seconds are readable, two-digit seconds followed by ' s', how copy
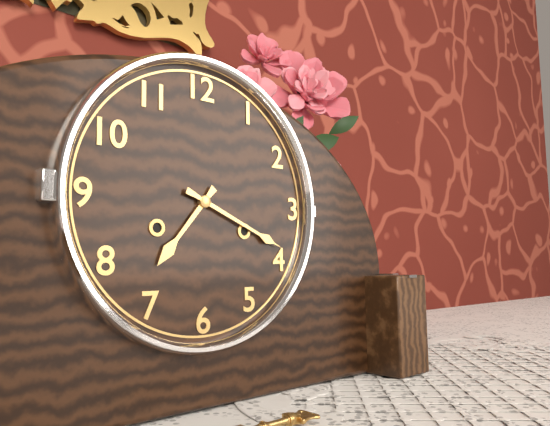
7 h 19 min
